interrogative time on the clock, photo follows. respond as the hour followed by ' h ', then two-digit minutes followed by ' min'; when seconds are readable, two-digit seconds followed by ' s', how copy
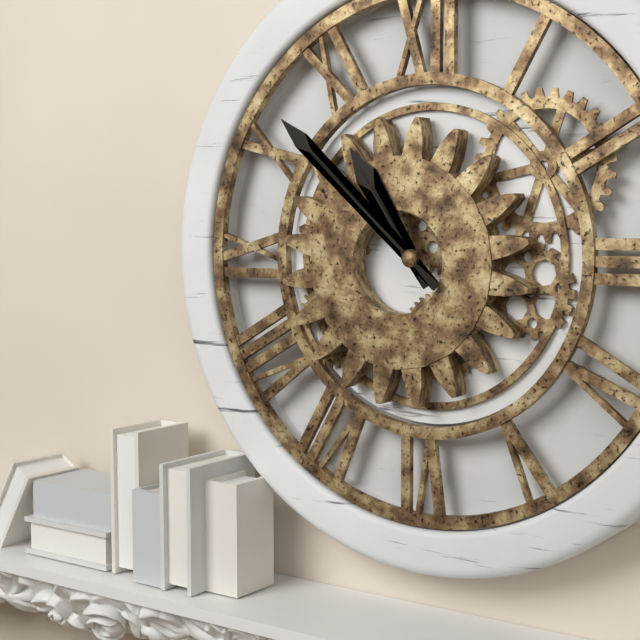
10 h 52 min
